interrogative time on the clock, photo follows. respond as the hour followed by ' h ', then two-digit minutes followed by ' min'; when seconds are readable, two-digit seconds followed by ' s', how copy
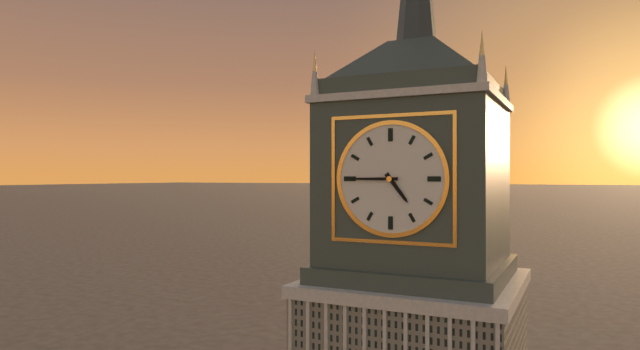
4 h 45 min
